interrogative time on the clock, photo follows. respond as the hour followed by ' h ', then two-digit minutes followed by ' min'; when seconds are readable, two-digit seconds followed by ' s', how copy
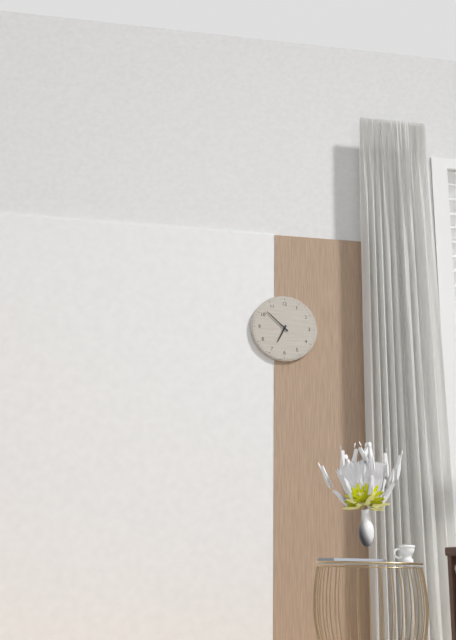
6 h 52 min
